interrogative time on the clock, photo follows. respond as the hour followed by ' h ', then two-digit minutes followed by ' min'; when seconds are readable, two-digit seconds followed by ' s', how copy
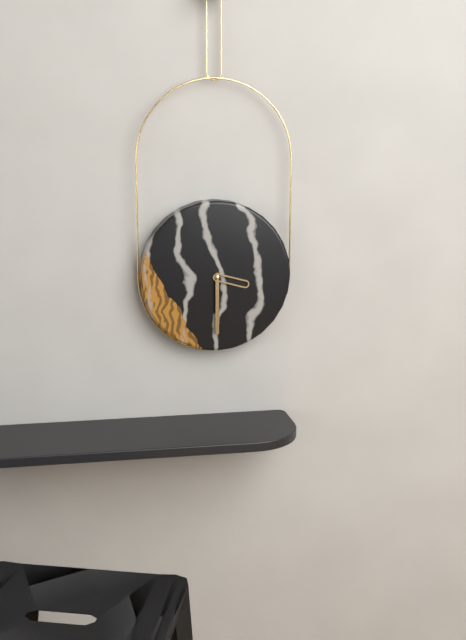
3 h 30 min
